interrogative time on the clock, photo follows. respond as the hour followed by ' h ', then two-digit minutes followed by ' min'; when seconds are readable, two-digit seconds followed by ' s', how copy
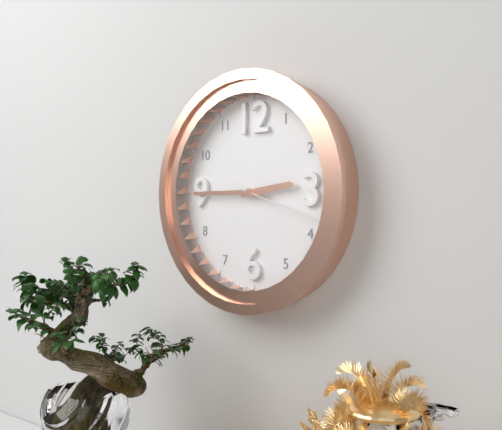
2 h 45 min 18 s
